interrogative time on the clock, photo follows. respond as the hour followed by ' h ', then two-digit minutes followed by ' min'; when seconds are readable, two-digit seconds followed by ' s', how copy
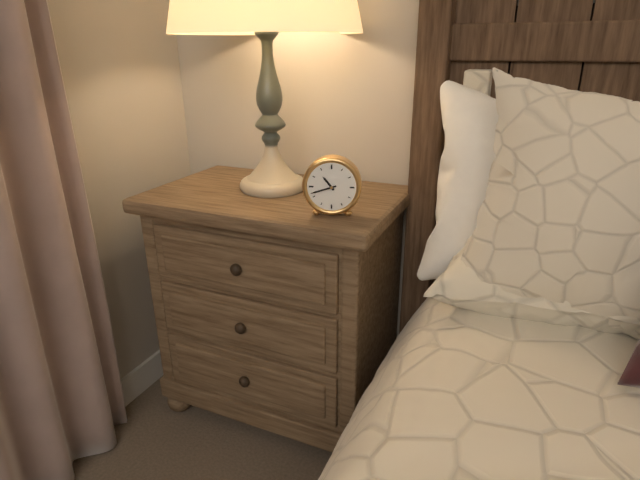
10 h 42 min
